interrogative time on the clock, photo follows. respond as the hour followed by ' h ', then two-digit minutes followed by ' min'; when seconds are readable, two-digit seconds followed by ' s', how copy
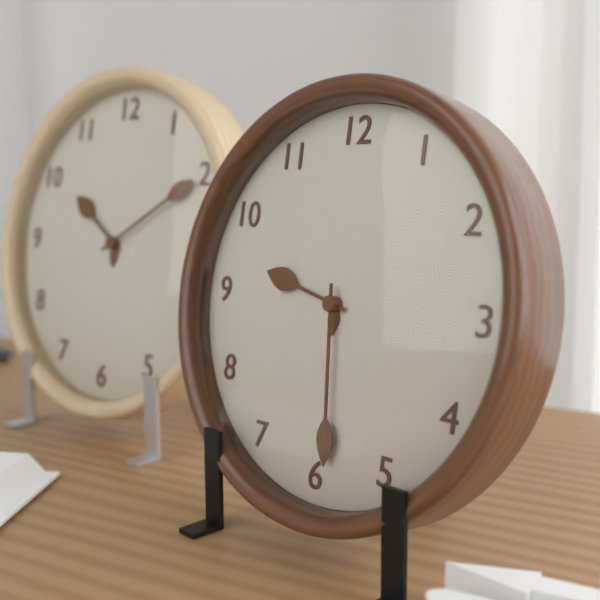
9 h 29 min
